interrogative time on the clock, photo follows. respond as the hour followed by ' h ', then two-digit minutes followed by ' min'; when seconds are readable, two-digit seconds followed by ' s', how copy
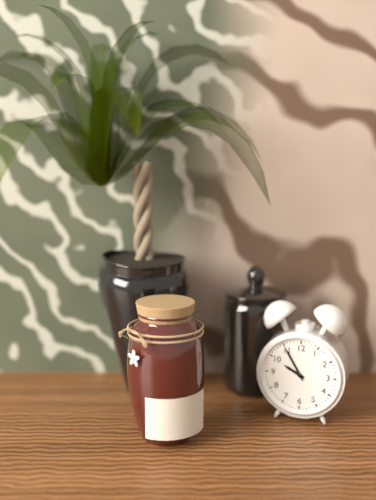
9 h 55 min
